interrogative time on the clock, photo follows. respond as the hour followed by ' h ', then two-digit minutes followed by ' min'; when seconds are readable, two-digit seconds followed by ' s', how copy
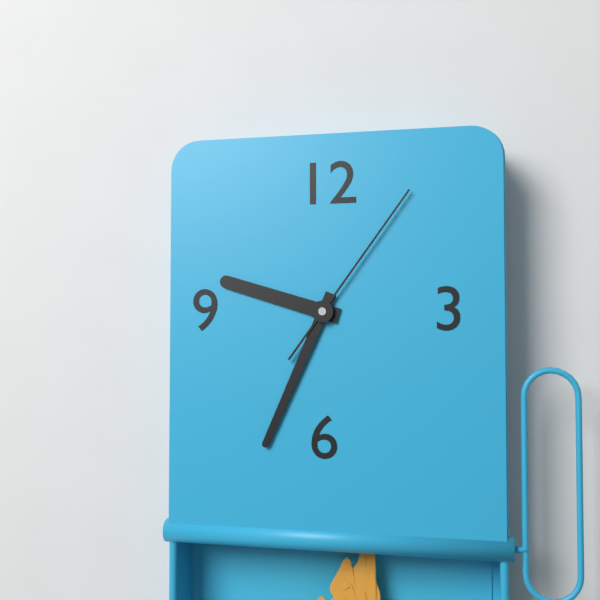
9 h 34 min 06 s
